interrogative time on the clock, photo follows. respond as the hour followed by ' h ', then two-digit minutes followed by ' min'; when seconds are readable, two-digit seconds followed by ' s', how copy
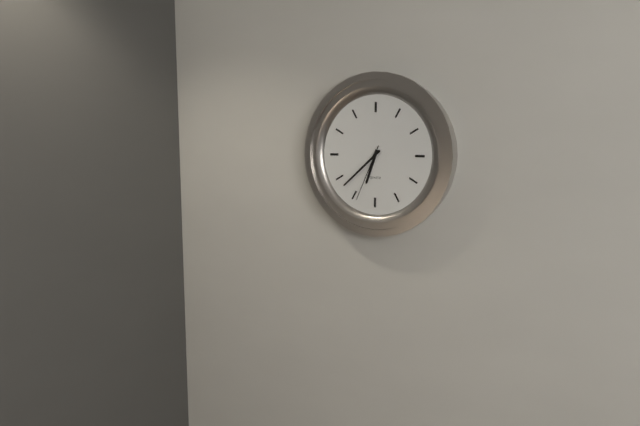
6 h 38 min 34 s
